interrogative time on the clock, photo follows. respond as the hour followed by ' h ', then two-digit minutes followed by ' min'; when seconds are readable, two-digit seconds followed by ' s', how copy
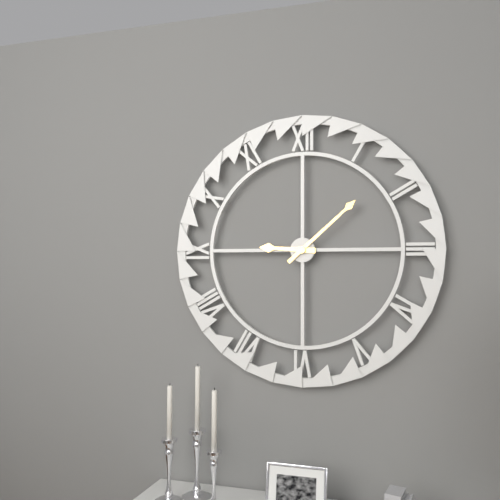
9 h 08 min
